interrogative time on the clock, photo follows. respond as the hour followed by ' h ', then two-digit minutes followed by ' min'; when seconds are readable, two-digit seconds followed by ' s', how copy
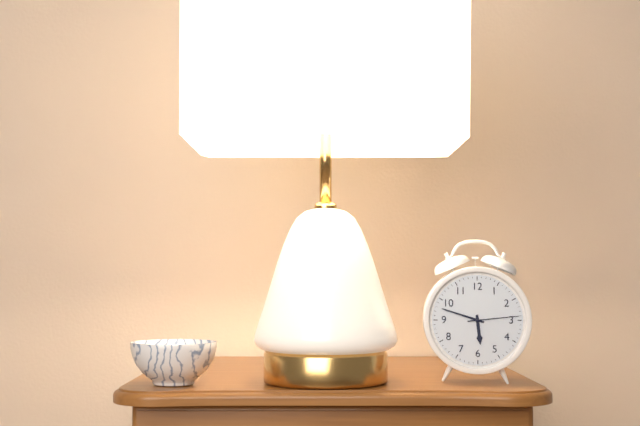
5 h 48 min 14 s
